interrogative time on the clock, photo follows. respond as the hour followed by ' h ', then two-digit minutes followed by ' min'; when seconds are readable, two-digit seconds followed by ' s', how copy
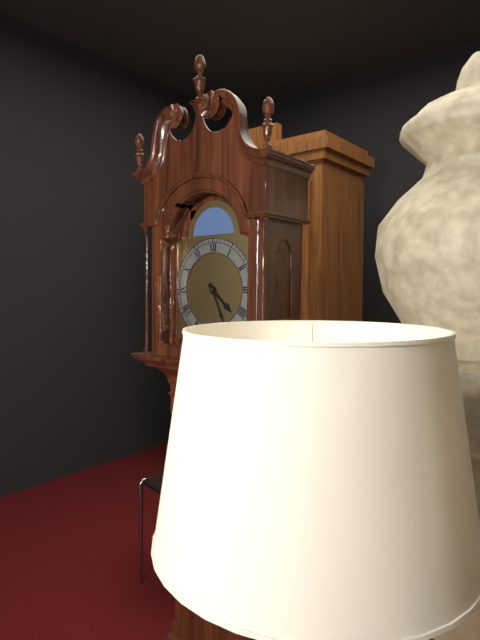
4 h 26 min
